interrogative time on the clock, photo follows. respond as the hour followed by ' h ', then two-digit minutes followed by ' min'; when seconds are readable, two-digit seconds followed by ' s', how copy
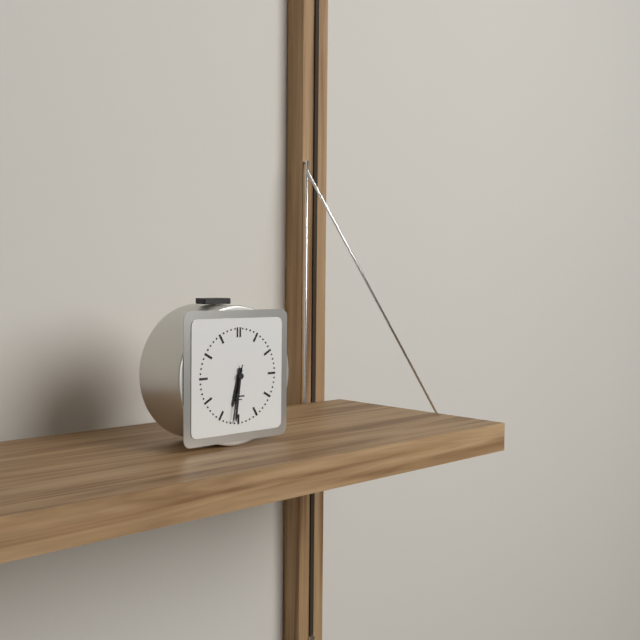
6 h 31 min 32 s
